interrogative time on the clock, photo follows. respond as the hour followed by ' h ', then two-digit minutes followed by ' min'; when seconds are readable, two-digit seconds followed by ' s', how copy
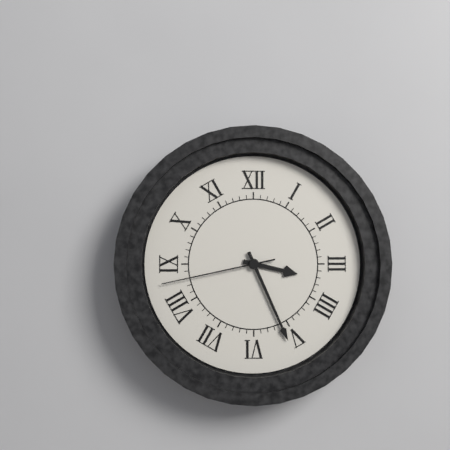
3 h 26 min 43 s
